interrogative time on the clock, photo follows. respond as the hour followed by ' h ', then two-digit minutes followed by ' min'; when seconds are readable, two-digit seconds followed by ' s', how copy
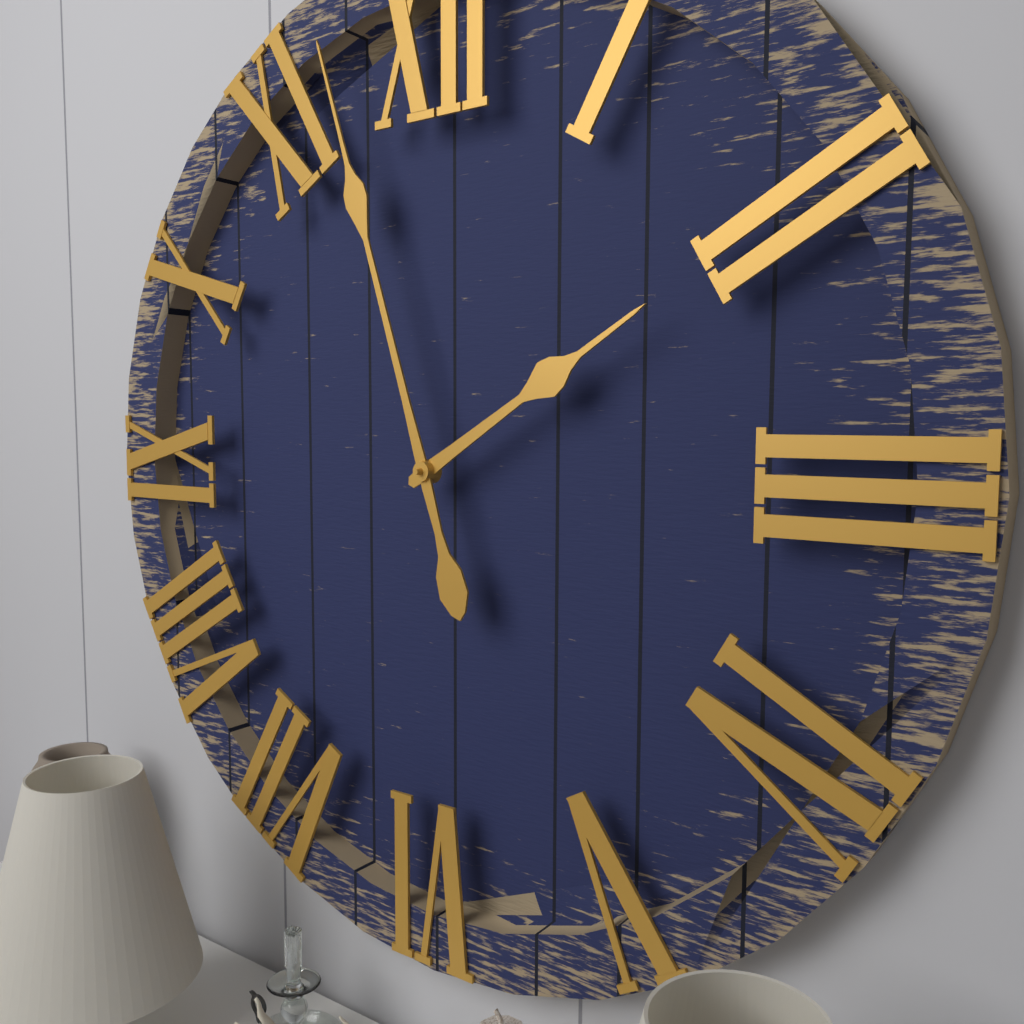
1 h 57 min
